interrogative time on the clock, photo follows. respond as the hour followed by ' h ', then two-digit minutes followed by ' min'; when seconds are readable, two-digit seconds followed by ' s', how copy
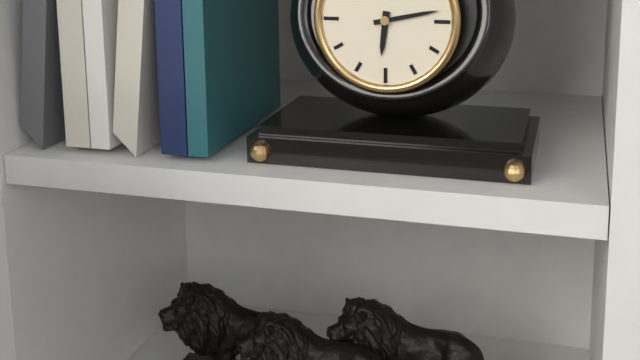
6 h 13 min
